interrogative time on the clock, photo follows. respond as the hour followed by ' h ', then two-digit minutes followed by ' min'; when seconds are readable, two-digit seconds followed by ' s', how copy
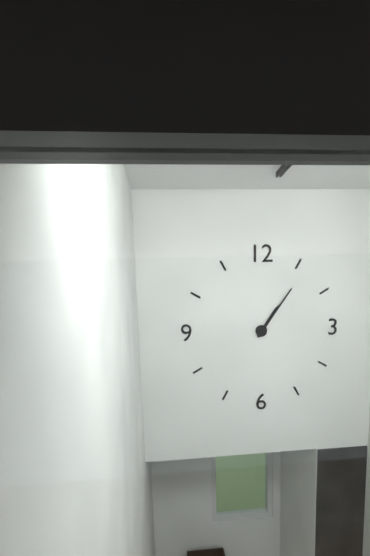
1 h 06 min
